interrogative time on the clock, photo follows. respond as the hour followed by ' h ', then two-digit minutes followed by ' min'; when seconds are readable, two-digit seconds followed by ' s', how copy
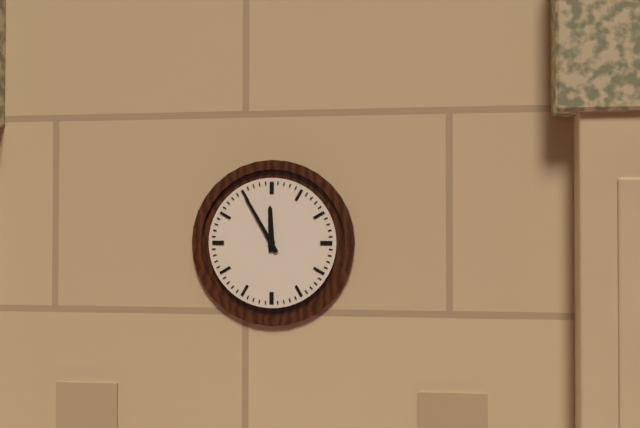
11 h 55 min
